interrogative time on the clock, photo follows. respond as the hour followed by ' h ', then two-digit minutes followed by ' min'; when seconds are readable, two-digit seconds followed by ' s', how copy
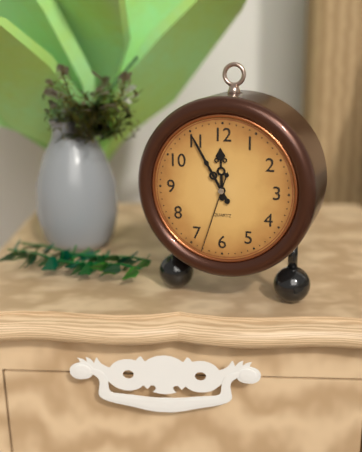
11 h 55 min 33 s
